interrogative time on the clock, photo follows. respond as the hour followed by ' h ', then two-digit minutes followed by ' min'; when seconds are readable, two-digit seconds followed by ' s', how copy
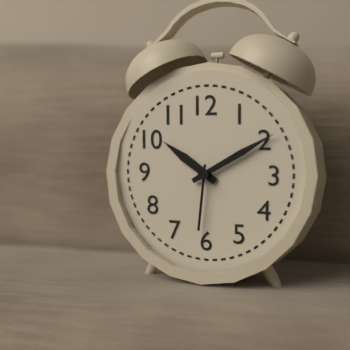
10 h 10 min 31 s
